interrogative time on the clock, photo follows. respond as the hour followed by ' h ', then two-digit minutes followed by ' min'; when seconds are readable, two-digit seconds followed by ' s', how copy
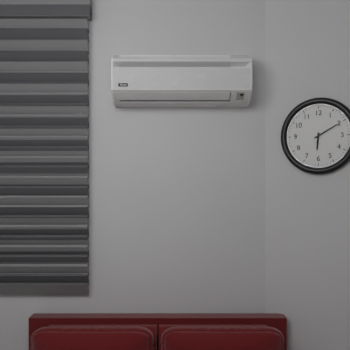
6 h 10 min
